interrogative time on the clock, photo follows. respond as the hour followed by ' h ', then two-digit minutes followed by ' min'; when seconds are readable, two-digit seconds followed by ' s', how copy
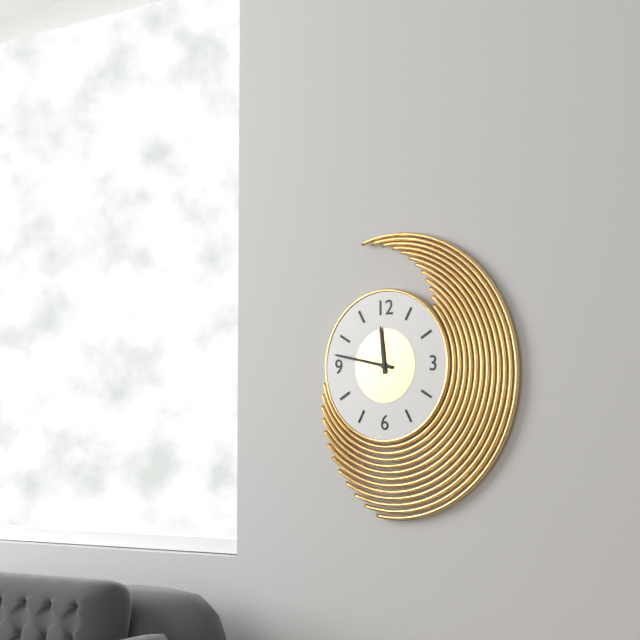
11 h 47 min
